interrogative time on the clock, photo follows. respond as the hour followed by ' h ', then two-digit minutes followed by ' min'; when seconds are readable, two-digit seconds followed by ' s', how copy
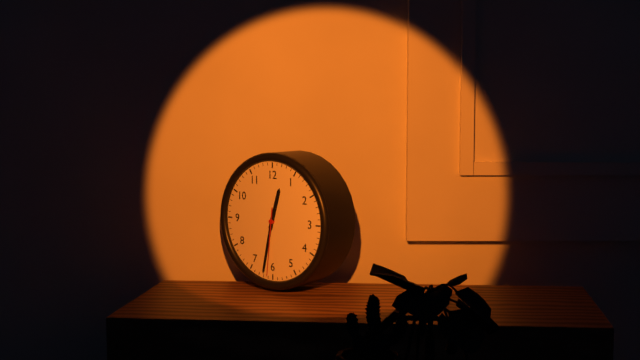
12 h 32 min 31 s
